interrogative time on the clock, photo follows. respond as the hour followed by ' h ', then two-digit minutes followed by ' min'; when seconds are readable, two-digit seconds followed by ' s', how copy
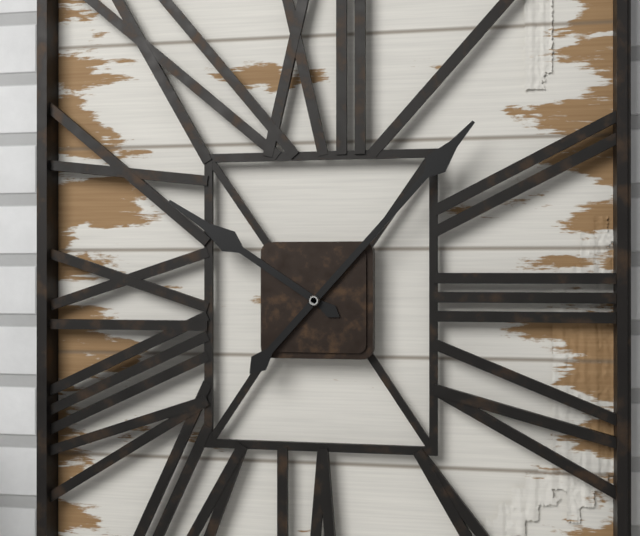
10 h 07 min
